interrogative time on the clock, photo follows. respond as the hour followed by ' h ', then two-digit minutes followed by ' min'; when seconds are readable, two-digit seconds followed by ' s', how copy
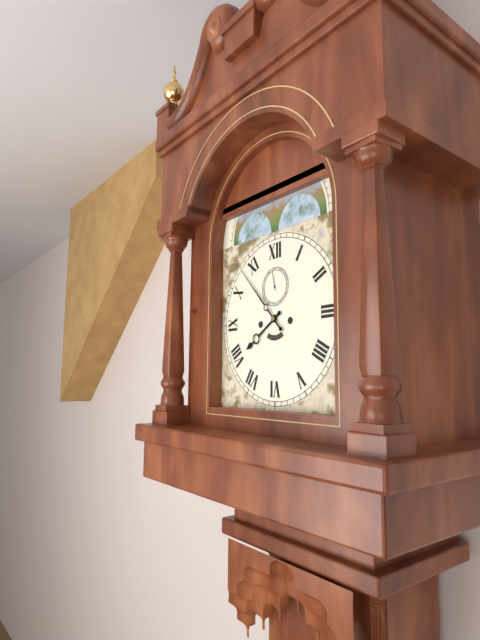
7 h 53 min
